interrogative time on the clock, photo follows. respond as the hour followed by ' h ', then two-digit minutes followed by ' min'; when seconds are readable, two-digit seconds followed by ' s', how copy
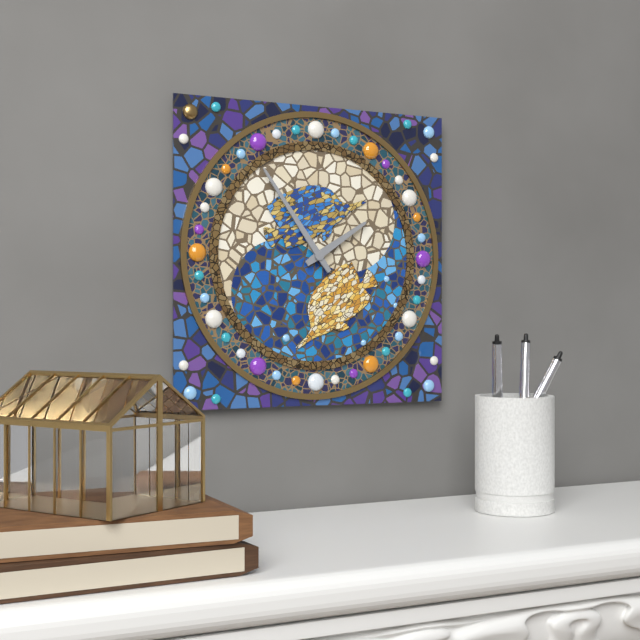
1 h 54 min
